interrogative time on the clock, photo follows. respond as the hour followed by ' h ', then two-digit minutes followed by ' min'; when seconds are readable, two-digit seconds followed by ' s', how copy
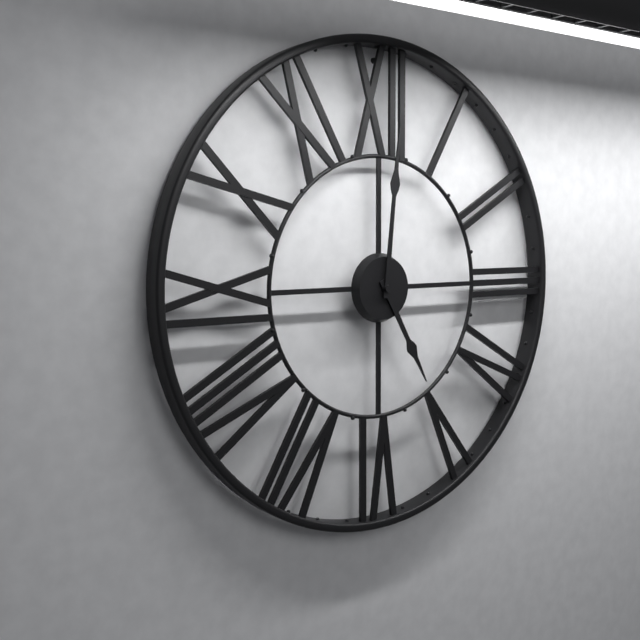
5 h 01 min
